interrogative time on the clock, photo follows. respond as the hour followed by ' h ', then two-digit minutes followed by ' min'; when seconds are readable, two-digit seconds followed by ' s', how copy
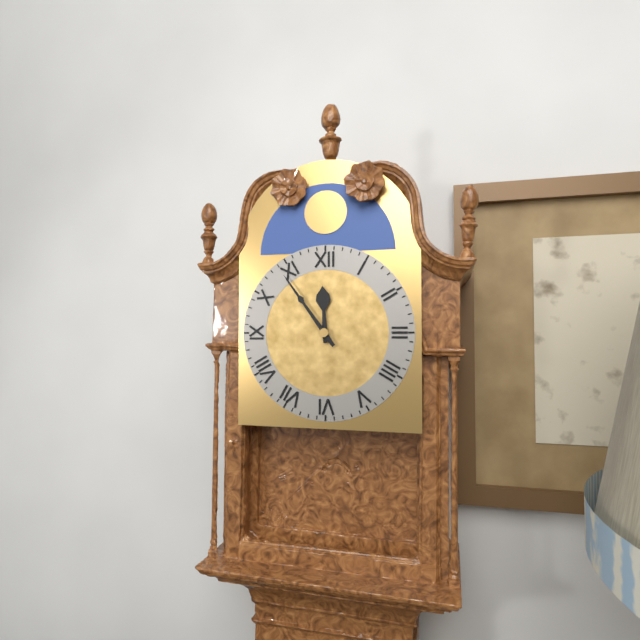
11 h 54 min
